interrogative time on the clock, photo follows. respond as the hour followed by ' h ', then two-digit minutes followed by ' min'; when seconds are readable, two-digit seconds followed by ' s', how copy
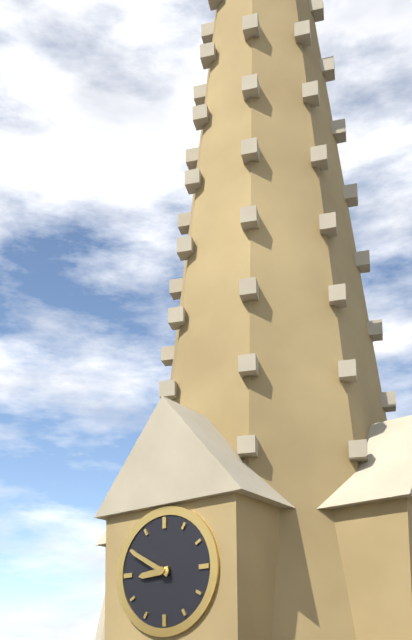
8 h 50 min
